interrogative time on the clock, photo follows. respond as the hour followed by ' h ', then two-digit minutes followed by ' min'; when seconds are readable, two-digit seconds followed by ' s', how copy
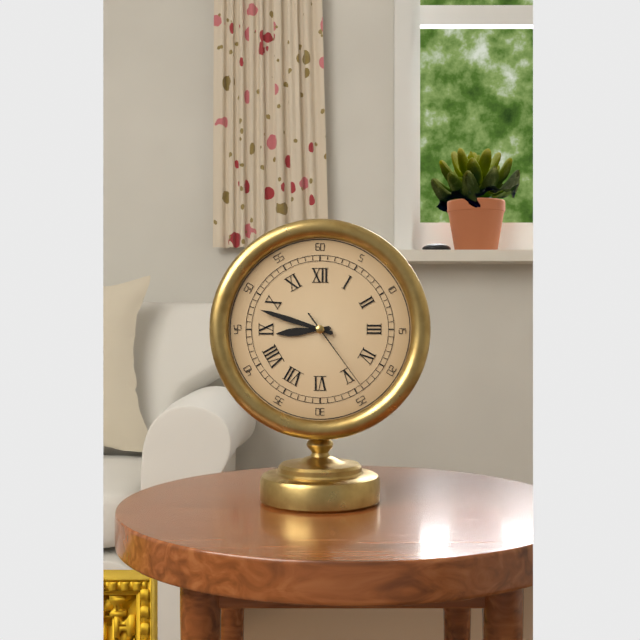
8 h 48 min 24 s
